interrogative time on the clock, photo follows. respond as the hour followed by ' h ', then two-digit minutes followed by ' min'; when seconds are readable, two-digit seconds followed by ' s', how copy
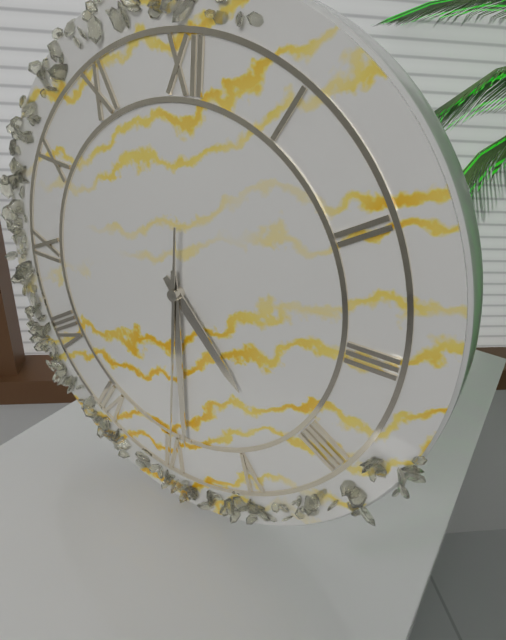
4 h 29 min 30 s
